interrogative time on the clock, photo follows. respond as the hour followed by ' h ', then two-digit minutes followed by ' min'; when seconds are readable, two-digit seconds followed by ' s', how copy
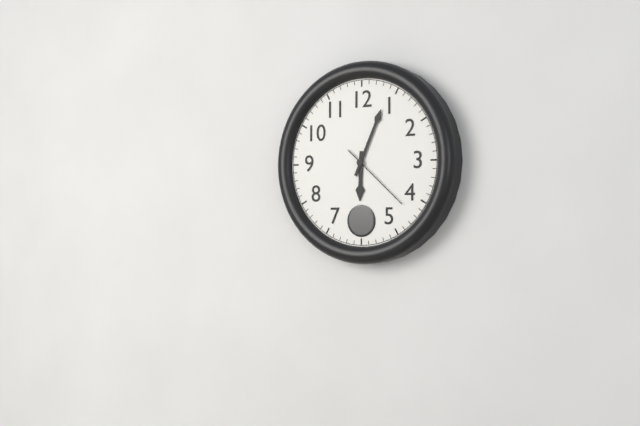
6 h 04 min 22 s
